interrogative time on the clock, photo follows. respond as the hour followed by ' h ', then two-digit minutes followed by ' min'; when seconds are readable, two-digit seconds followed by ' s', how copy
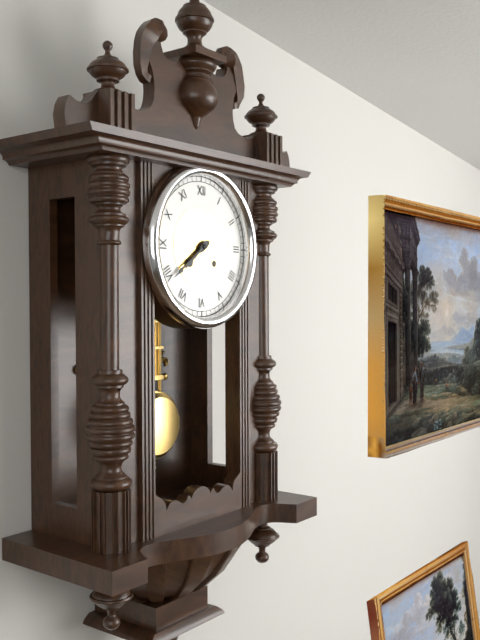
7 h 39 min
